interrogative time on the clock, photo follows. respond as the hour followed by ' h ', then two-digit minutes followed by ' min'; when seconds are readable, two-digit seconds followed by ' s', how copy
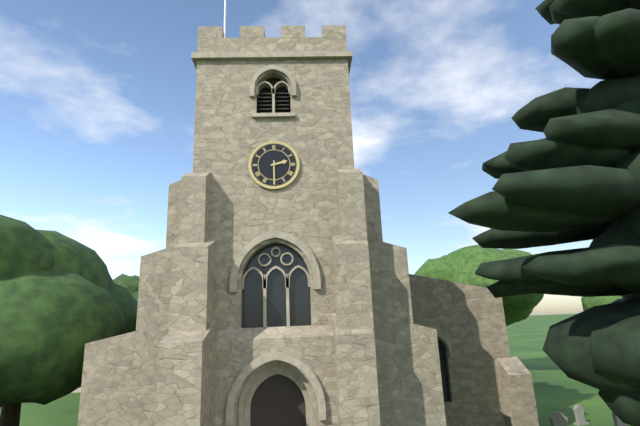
2 h 30 min
